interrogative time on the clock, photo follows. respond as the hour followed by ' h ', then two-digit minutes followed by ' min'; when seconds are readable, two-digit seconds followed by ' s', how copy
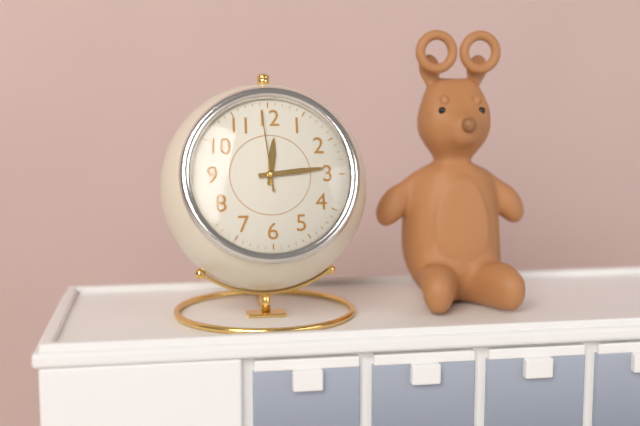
12 h 14 min 59 s
